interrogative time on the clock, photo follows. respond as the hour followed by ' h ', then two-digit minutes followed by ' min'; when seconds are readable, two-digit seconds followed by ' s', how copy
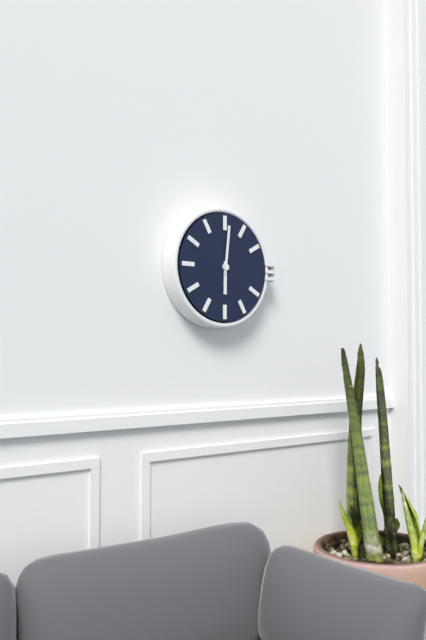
6 h 01 min
